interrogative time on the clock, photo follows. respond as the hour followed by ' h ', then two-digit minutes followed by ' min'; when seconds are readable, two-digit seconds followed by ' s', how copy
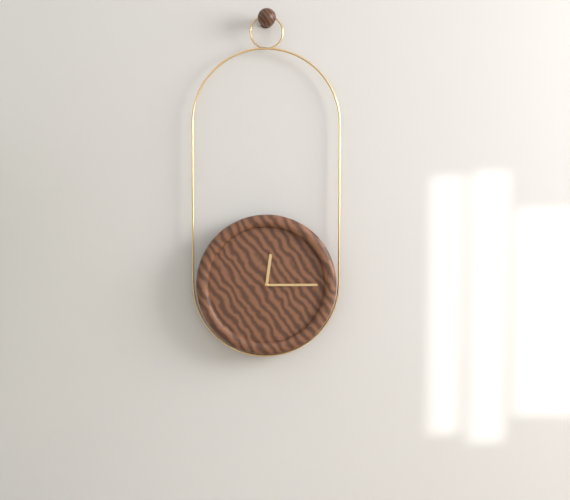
12 h 15 min
